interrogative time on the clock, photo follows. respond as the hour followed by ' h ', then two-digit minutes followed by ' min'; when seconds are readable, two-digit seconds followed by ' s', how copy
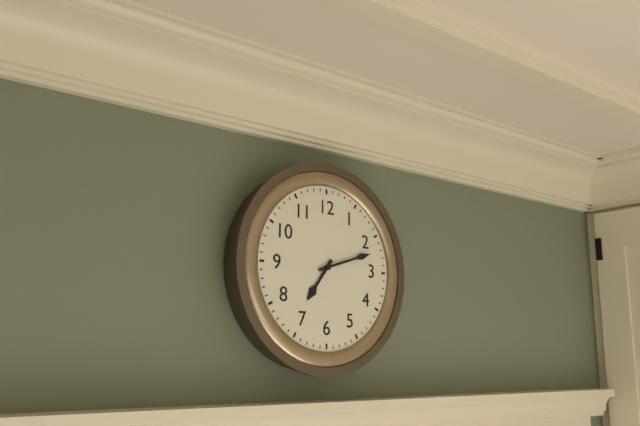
7 h 12 min
